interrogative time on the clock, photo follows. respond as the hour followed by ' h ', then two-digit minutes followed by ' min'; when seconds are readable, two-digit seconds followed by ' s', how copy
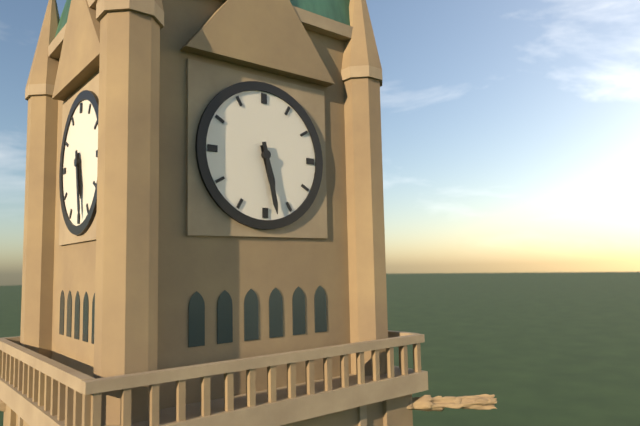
5 h 28 min
